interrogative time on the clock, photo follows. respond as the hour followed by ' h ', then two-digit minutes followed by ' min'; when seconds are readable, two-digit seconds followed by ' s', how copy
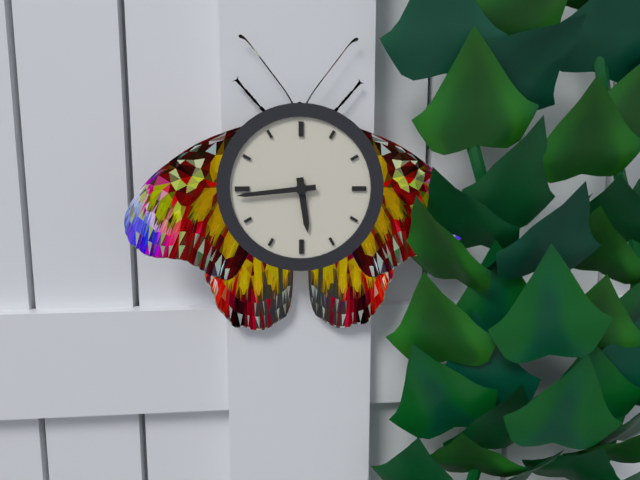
5 h 44 min
